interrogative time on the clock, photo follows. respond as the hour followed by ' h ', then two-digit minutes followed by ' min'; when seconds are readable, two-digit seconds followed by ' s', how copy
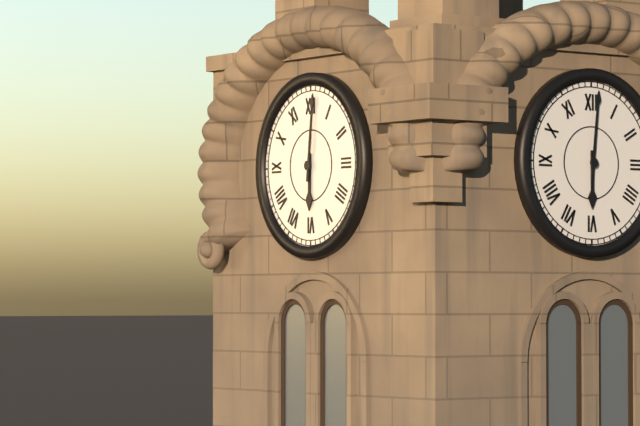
6 h 01 min
